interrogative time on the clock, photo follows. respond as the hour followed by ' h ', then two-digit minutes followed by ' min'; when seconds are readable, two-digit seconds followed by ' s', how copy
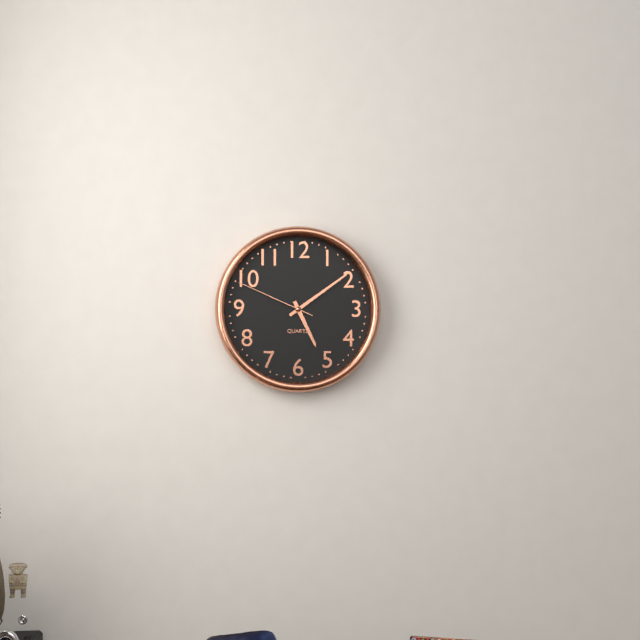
5 h 09 min 49 s
